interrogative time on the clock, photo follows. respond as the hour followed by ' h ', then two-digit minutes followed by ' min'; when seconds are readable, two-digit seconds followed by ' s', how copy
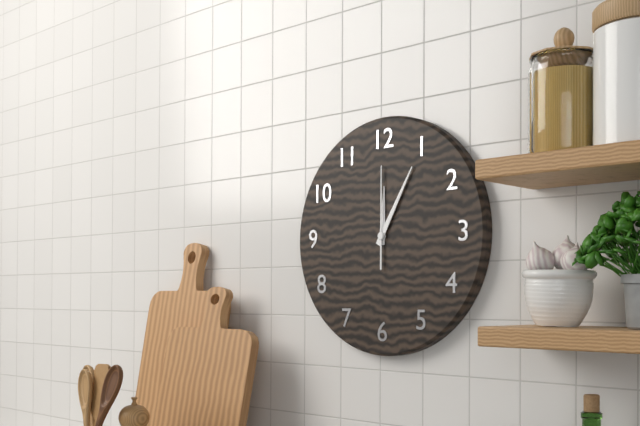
12 h 05 min 00 s
